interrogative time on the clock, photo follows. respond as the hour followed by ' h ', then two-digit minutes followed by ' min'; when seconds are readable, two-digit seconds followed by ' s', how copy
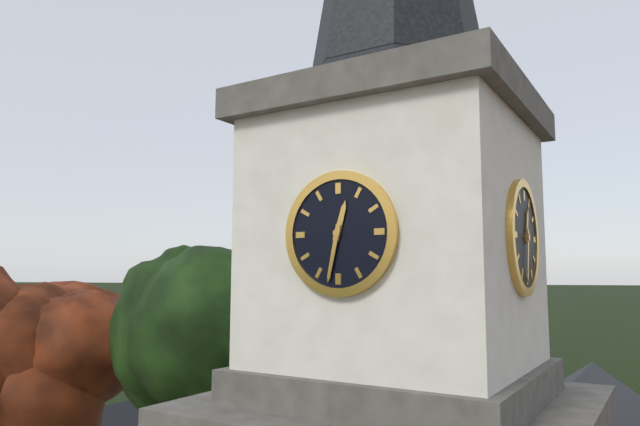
12 h 32 min
